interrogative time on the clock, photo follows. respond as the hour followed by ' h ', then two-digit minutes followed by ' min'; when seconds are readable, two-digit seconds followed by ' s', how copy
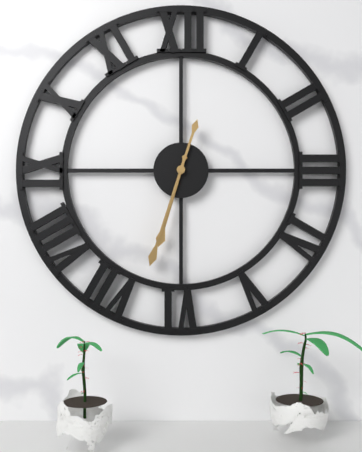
6 h 33 min
